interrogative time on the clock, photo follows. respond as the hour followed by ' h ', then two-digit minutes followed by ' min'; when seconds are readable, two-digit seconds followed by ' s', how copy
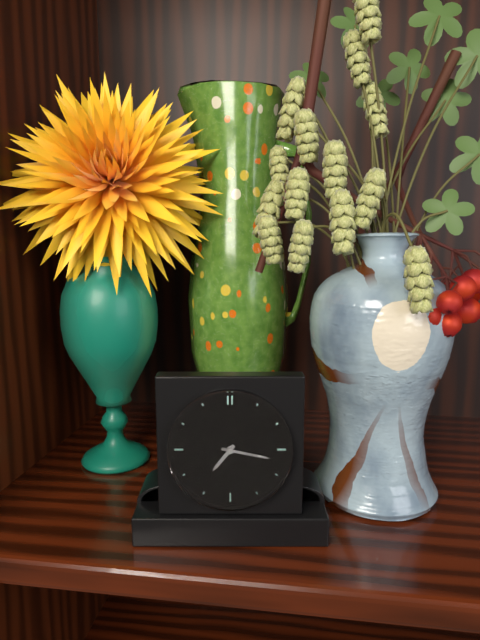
7 h 17 min
